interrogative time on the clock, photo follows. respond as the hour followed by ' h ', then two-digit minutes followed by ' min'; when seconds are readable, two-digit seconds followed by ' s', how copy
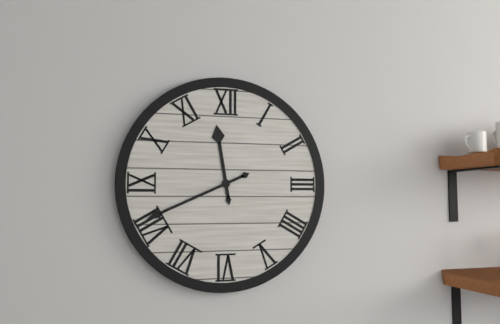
11 h 41 min
